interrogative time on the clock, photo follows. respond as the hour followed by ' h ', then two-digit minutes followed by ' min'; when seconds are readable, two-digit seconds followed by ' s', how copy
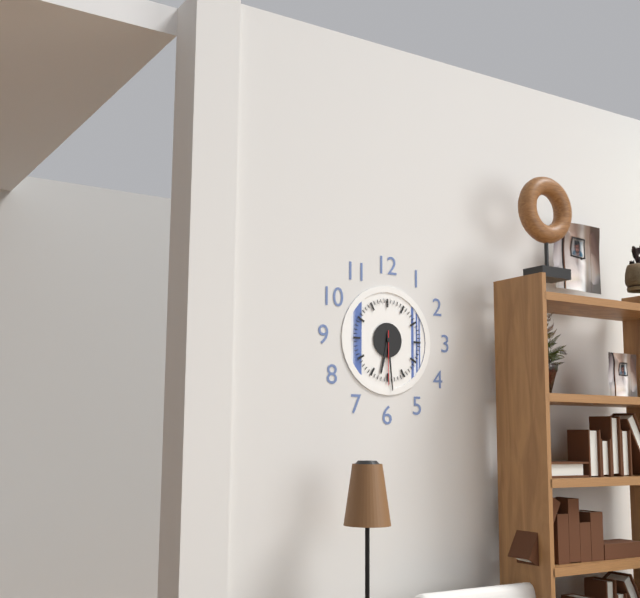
6 h 29 min 30 s
